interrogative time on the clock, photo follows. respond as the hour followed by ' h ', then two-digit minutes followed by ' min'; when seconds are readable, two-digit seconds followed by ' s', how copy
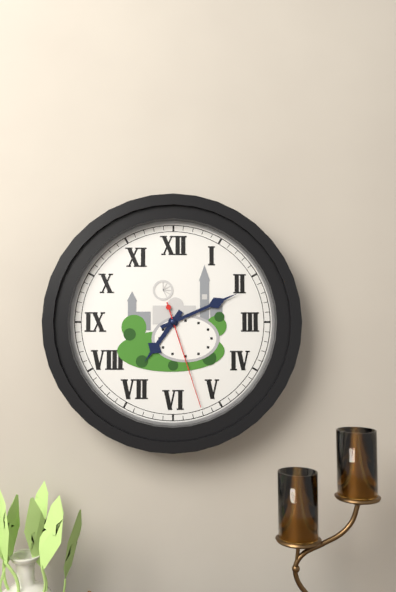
7 h 11 min 27 s
